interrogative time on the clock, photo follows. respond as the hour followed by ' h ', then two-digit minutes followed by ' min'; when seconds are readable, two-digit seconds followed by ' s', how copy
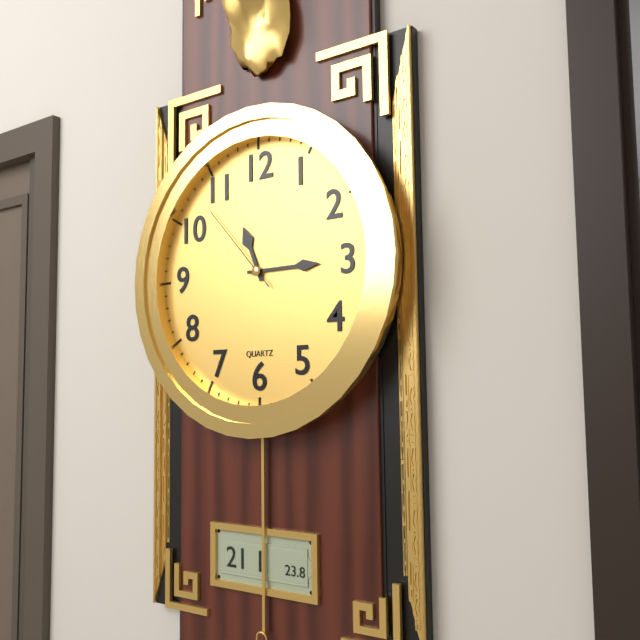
11 h 15 min 53 s
